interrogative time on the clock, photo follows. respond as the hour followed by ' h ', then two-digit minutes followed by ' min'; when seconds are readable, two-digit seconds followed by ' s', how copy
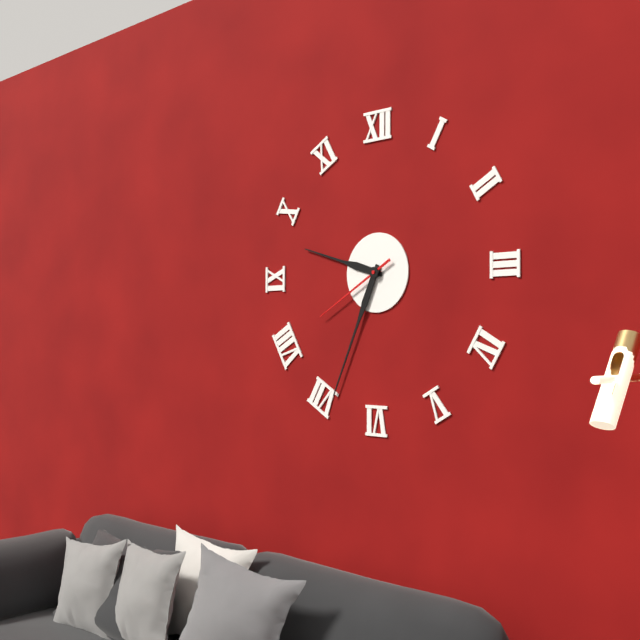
9 h 34 min 40 s
